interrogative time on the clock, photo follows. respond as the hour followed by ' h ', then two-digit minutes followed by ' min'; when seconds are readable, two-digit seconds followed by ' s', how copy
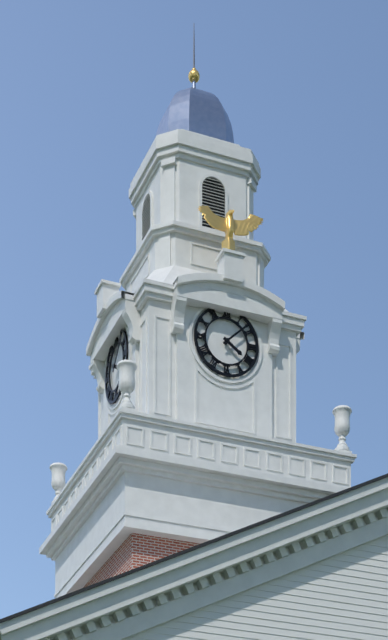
4 h 08 min
